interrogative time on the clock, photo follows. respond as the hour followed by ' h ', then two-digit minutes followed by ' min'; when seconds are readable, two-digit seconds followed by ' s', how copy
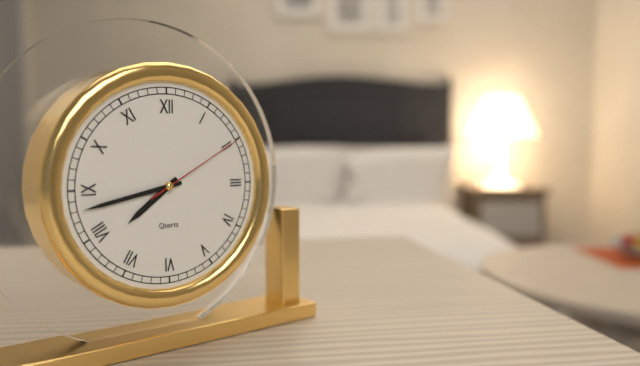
7 h 43 min 10 s
